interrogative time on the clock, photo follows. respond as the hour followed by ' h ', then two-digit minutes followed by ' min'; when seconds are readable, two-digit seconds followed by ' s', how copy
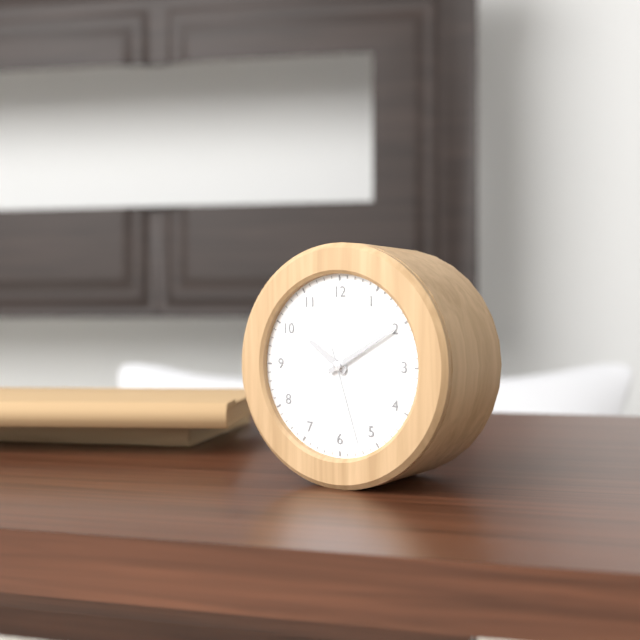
10 h 10 min 27 s
